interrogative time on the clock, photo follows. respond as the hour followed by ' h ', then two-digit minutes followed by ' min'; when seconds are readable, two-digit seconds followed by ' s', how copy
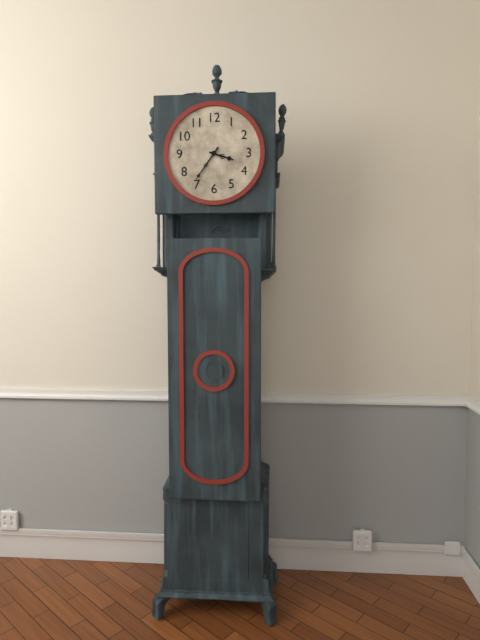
3 h 36 min
